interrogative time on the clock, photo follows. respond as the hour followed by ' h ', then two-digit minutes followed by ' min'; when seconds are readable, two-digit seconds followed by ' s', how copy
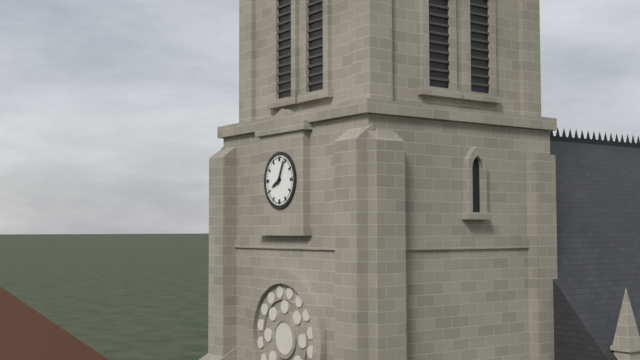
8 h 04 min
